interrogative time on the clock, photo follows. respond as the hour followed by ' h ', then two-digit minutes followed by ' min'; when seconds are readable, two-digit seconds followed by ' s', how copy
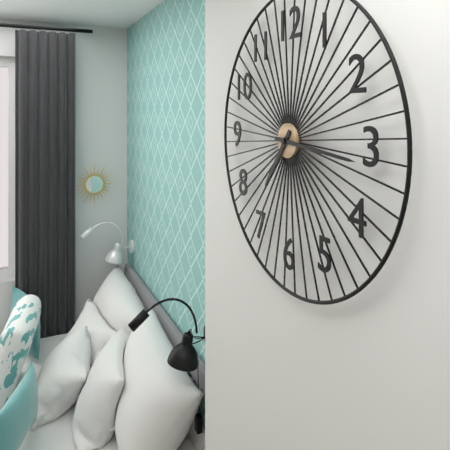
7 h 16 min
